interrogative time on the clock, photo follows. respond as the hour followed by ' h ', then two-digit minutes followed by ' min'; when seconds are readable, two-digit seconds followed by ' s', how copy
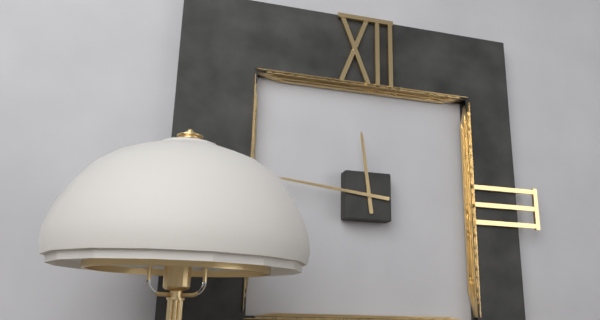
11 h 46 min
